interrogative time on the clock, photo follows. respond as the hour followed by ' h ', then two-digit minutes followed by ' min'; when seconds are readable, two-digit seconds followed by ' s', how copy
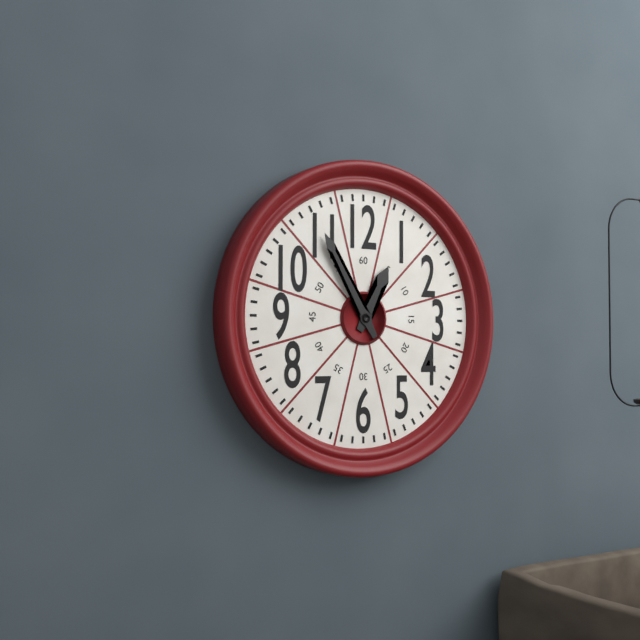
12 h 55 min
